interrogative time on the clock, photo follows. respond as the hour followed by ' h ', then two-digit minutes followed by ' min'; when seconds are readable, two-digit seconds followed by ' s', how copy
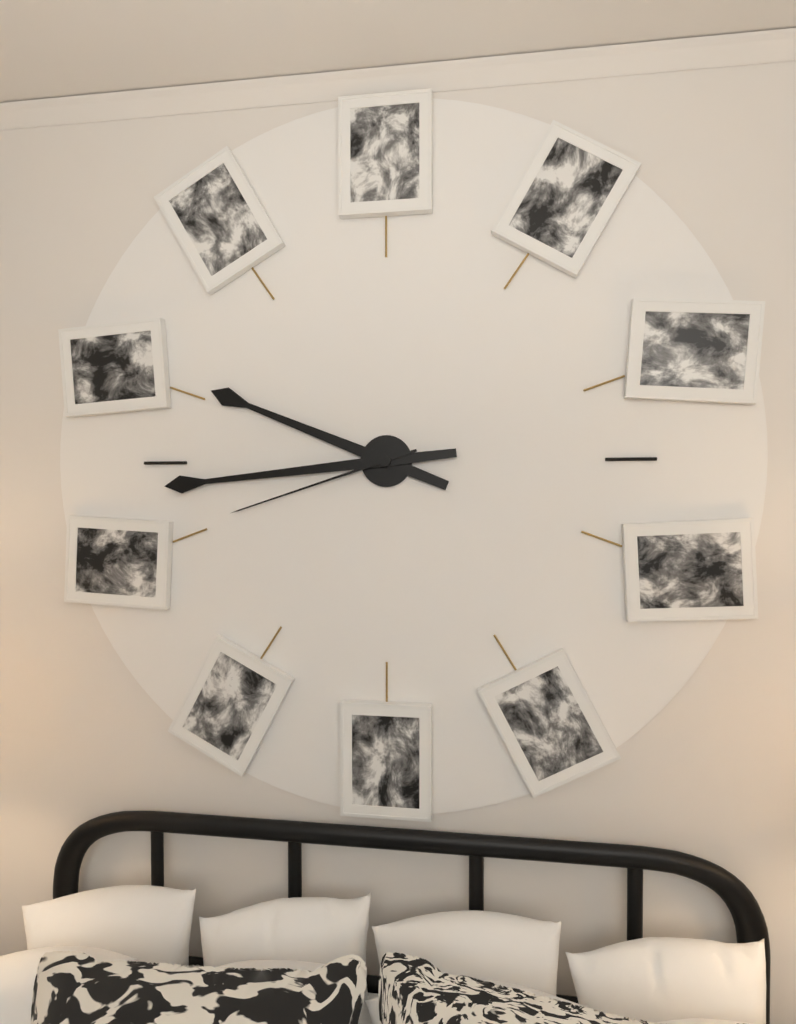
9 h 44 min 42 s
